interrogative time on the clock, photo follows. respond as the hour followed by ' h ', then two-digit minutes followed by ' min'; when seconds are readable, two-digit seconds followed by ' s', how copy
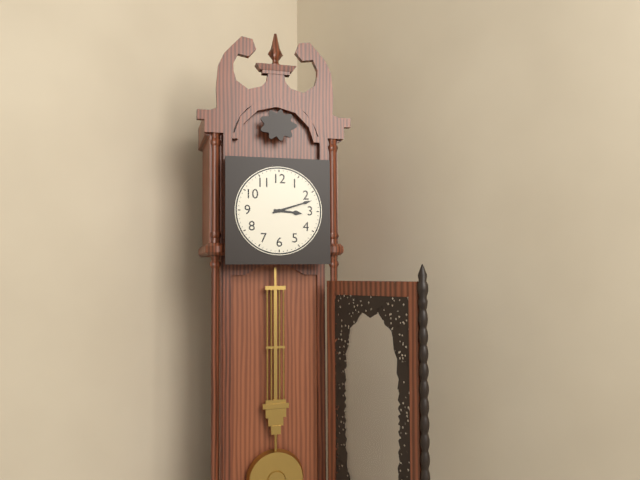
3 h 12 min
